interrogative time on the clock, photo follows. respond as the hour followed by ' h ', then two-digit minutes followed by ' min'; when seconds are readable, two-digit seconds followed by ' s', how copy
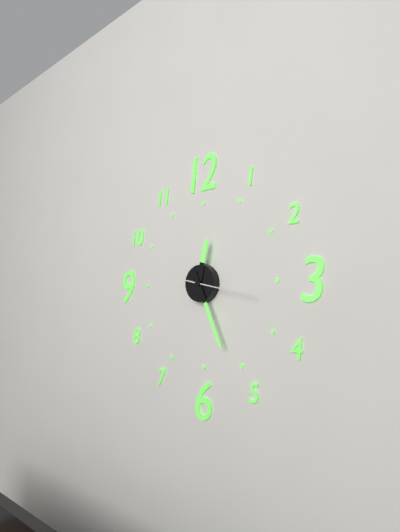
12 h 26 min 17 s
